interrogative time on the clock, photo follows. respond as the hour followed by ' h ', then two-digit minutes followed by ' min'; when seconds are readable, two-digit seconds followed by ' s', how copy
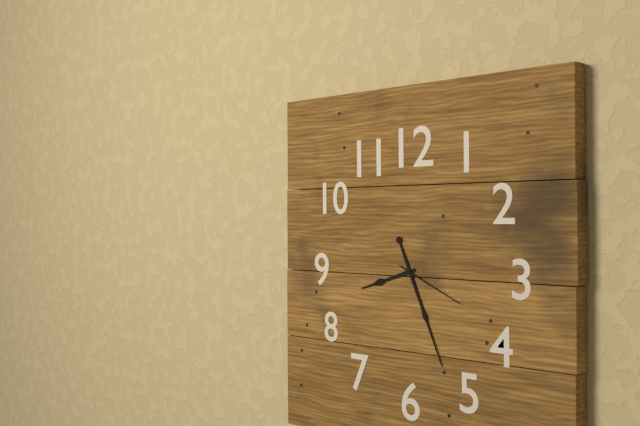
8 h 26 min 19 s
